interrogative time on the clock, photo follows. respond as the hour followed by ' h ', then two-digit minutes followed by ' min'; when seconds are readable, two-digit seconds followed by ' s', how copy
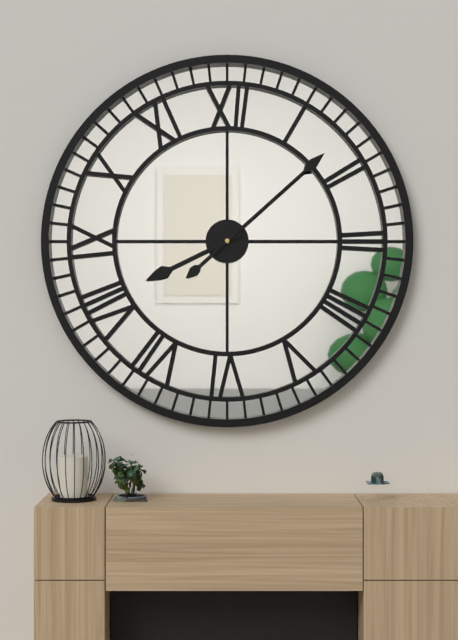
8 h 08 min
